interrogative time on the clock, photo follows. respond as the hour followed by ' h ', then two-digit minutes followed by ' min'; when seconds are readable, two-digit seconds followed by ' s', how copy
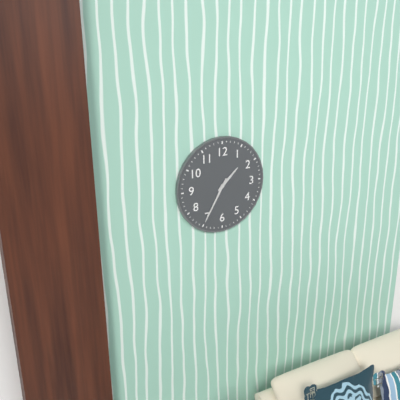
1 h 35 min
